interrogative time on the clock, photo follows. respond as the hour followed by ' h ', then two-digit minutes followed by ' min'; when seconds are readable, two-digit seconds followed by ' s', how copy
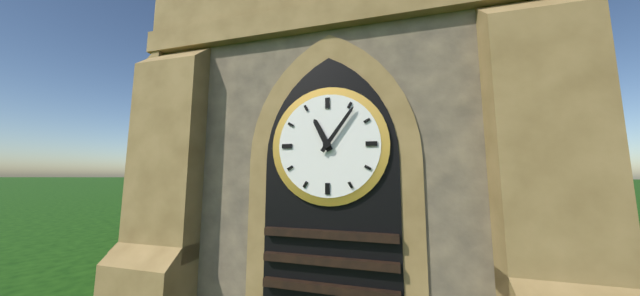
11 h 06 min
